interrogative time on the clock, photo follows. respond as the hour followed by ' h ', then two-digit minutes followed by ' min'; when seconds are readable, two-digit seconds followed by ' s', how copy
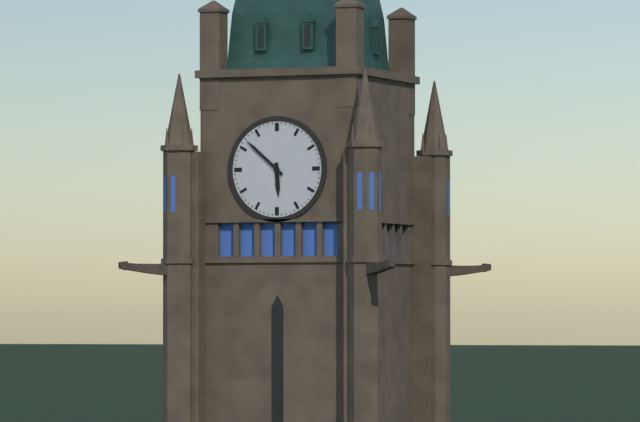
5 h 52 min
